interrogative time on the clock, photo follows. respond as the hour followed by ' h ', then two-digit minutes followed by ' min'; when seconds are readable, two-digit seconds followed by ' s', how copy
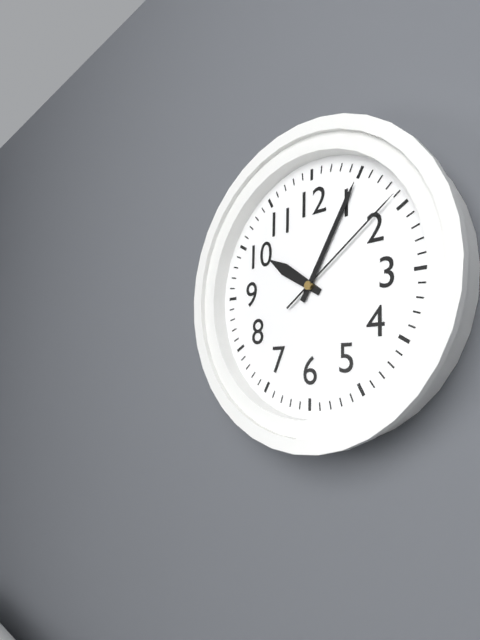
10 h 05 min 09 s
